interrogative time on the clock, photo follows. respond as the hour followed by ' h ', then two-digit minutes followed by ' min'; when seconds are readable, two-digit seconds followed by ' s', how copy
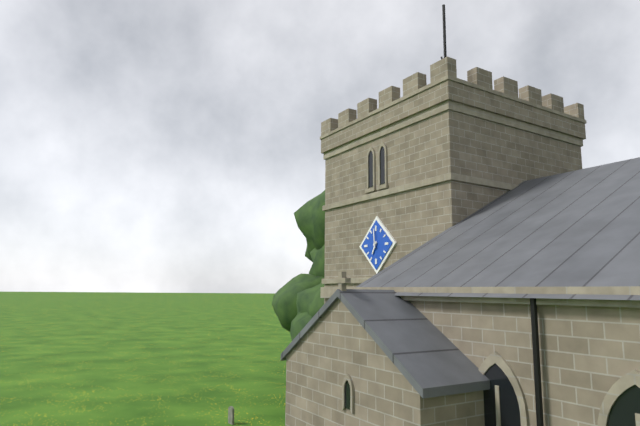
6 h 59 min
